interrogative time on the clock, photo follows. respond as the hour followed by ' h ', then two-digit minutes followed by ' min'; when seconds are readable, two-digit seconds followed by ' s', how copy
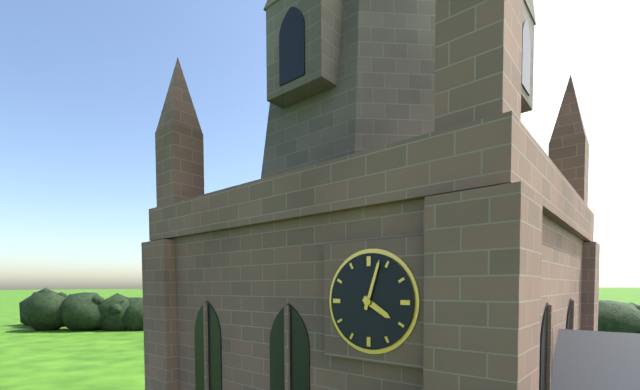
4 h 03 min
